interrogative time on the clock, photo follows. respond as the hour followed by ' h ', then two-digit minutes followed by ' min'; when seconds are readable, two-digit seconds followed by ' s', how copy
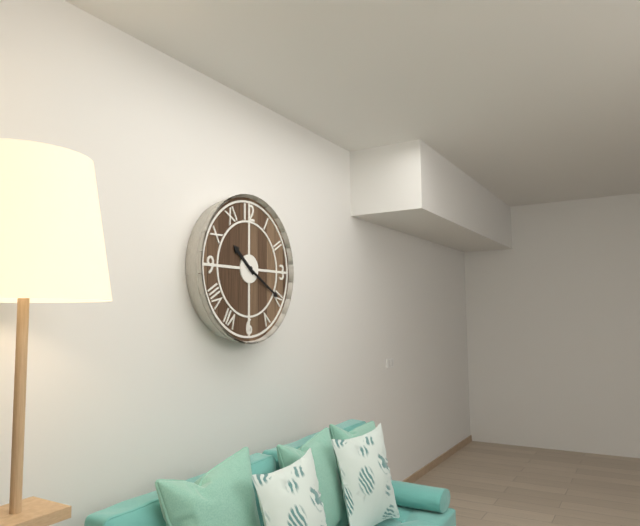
10 h 20 min
